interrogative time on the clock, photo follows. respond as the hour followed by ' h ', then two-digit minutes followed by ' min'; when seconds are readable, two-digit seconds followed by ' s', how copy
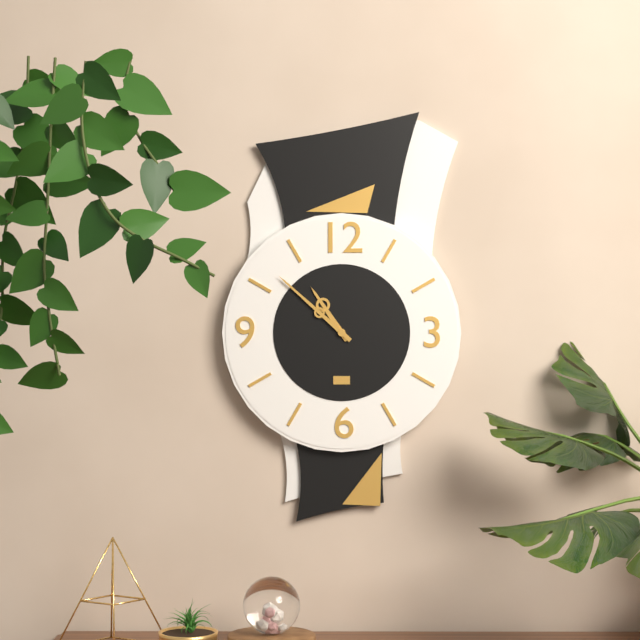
10 h 52 min
